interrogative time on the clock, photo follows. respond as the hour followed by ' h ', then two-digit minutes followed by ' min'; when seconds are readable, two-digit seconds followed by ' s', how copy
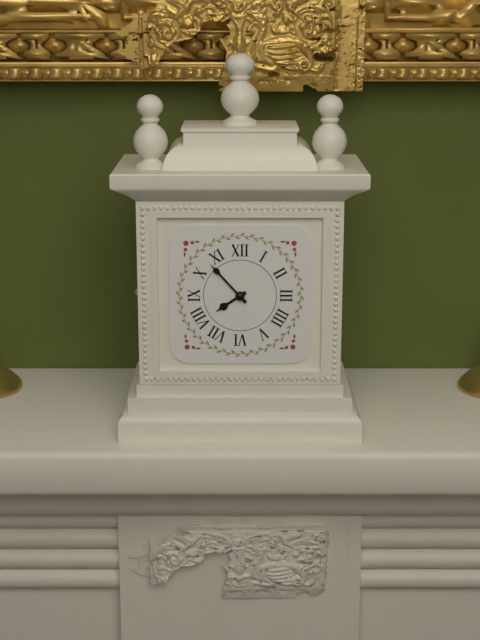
7 h 53 min
